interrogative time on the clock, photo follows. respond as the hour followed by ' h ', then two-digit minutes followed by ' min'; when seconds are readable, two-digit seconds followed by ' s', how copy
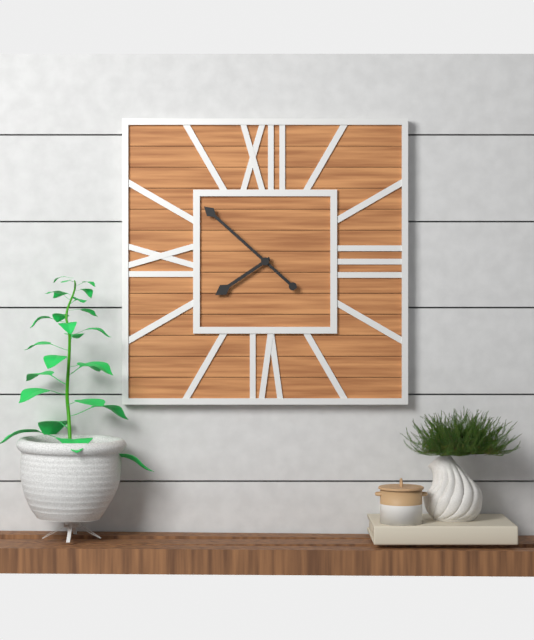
7 h 52 min
